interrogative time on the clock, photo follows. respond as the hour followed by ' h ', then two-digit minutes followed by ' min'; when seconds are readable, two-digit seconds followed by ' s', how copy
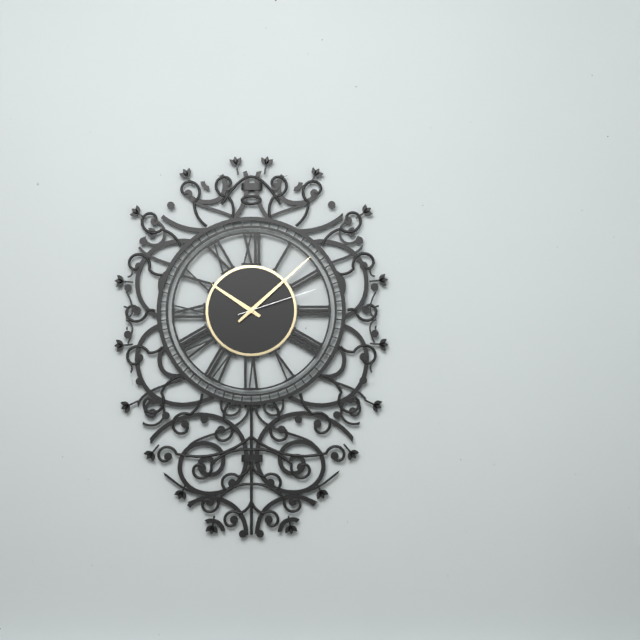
10 h 08 min 12 s
